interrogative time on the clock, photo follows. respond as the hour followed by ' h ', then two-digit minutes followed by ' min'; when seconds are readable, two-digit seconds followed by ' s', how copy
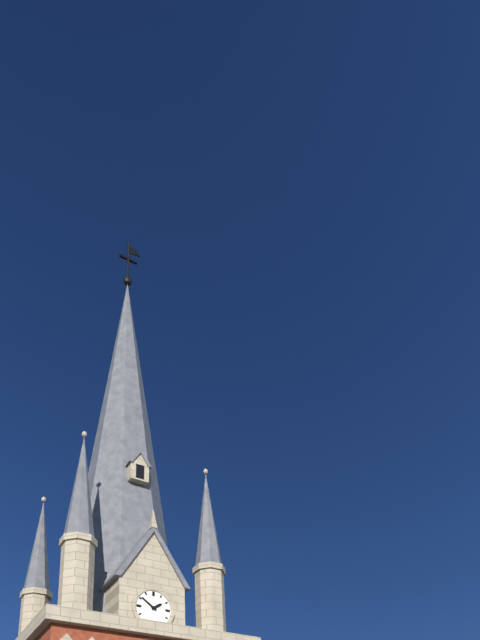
1 h 51 min
